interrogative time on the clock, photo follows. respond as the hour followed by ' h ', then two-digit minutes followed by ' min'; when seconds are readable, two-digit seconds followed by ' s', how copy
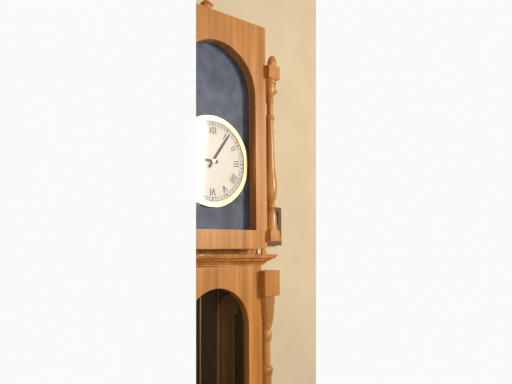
9 h 06 min
